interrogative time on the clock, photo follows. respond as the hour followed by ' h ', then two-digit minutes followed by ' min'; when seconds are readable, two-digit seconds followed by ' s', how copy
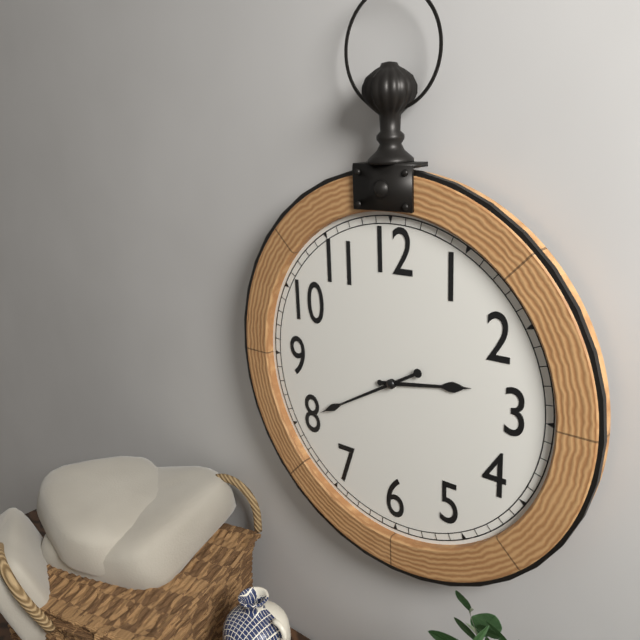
2 h 40 min
